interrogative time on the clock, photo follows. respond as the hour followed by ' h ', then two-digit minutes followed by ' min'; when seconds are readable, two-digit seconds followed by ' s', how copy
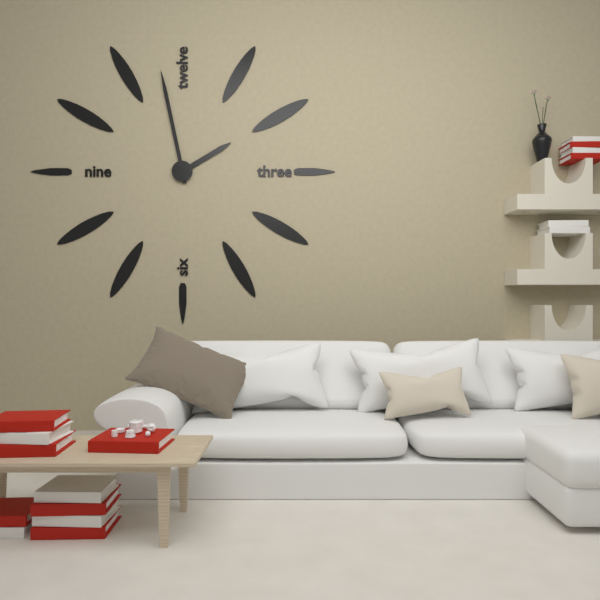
1 h 58 min
